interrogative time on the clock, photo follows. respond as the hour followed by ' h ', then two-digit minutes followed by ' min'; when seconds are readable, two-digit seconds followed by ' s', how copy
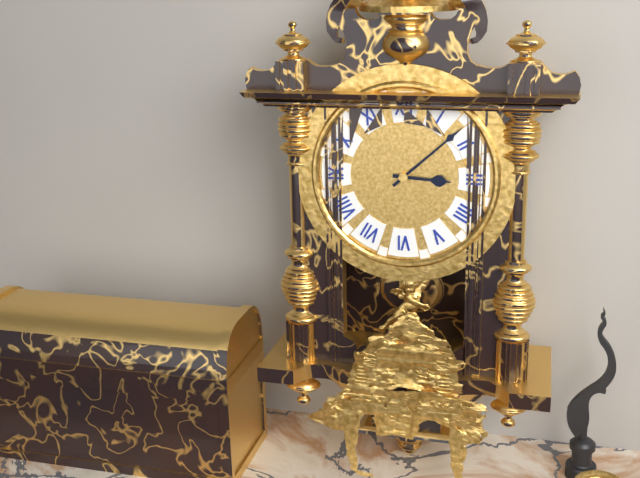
3 h 08 min
